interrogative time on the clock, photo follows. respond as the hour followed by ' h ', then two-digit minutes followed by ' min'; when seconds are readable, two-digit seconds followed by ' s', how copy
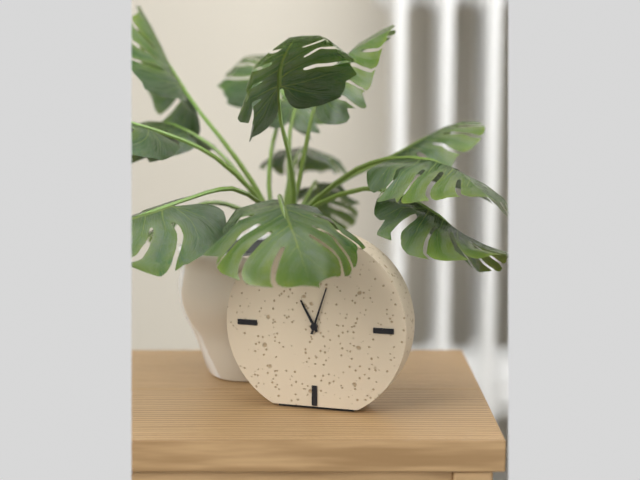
11 h 03 min
